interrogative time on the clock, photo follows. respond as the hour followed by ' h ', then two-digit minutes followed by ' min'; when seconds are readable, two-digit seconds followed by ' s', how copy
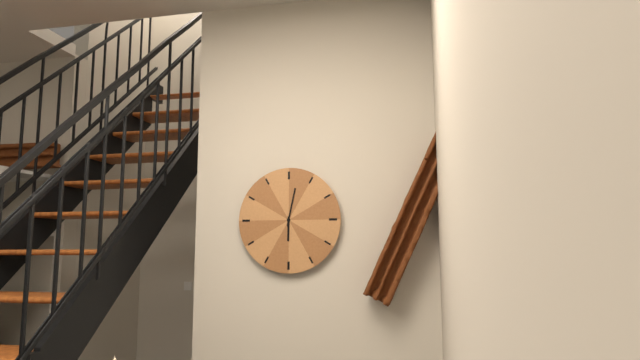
6 h 02 min
